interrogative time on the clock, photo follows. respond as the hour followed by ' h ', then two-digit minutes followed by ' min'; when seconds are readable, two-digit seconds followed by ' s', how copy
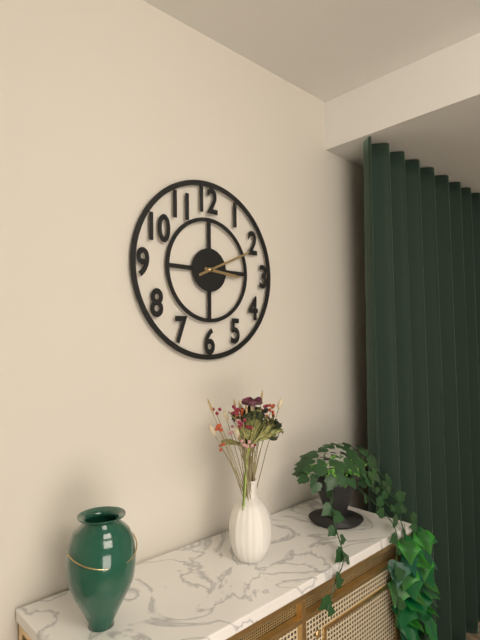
3 h 11 min
